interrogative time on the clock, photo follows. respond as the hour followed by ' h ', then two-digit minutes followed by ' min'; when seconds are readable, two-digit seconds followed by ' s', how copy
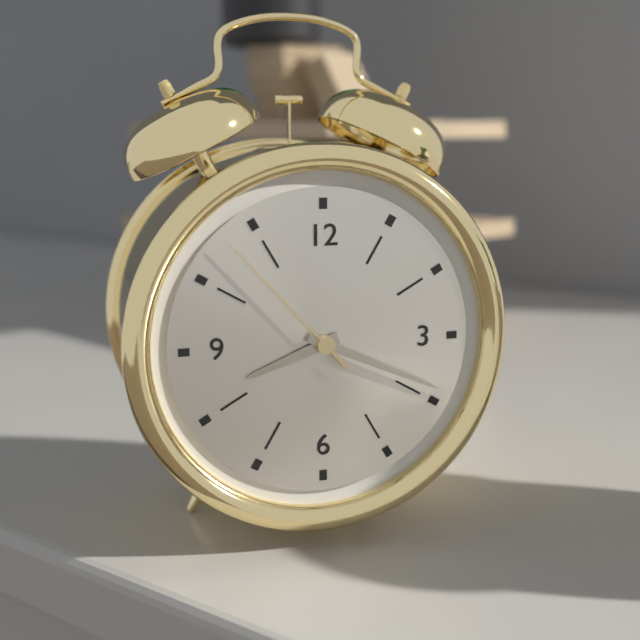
8 h 19 min 53 s
